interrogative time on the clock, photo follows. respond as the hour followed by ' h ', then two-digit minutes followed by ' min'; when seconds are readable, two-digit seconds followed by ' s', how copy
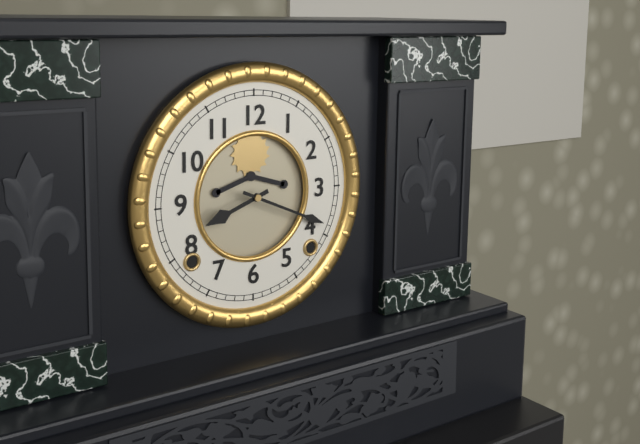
8 h 19 min
